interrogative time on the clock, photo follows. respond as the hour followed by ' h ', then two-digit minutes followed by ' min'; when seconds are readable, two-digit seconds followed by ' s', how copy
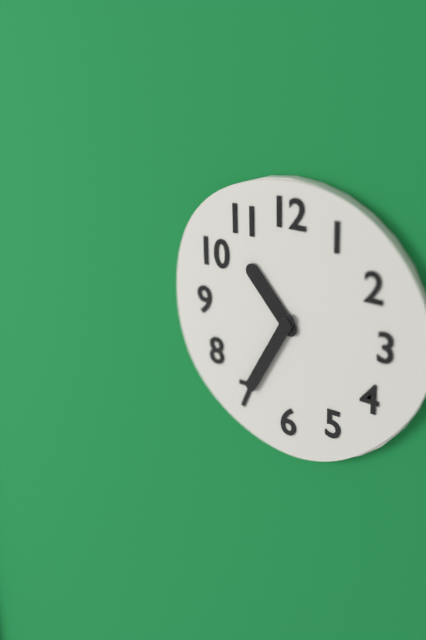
10 h 35 min
